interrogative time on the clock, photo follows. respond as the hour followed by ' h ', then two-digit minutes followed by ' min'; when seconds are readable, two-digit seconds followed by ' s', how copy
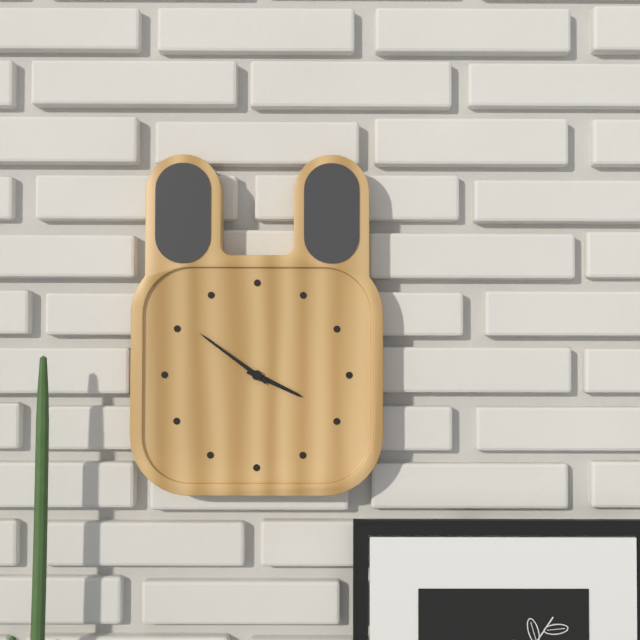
3 h 51 min
